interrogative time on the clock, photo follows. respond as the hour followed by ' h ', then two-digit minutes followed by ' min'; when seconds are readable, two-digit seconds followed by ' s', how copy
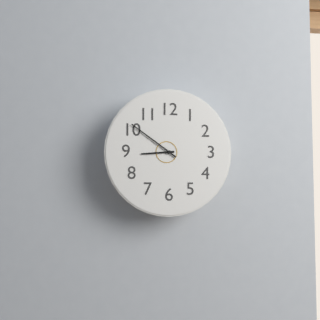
8 h 51 min
